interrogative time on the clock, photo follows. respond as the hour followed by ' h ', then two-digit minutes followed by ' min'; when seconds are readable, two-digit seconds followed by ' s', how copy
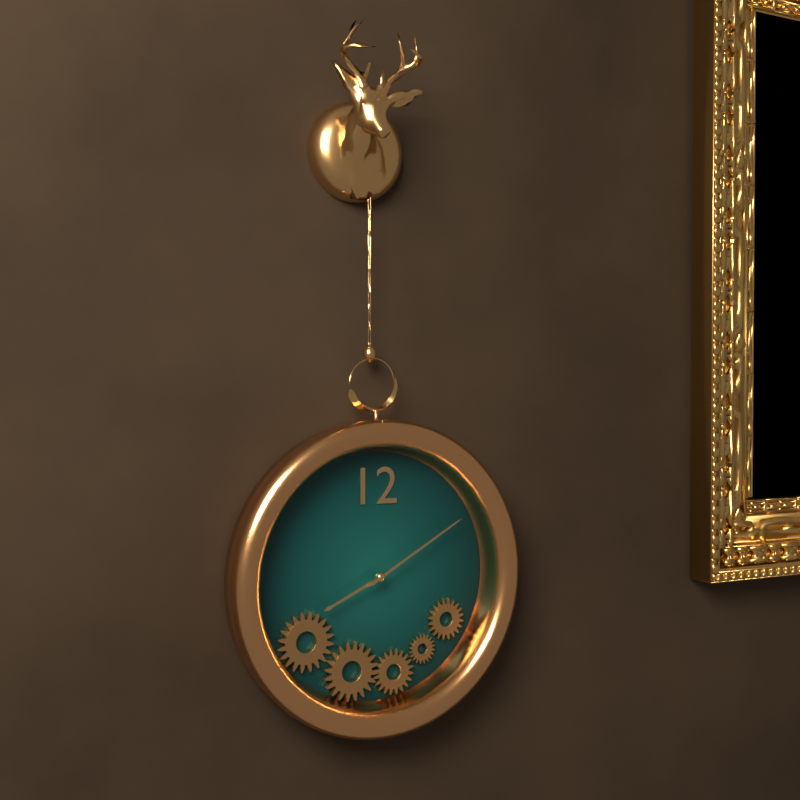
8 h 10 min
